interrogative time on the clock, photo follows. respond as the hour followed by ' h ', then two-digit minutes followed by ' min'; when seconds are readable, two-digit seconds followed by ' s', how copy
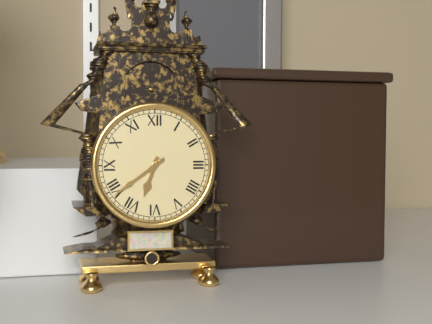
6 h 39 min
